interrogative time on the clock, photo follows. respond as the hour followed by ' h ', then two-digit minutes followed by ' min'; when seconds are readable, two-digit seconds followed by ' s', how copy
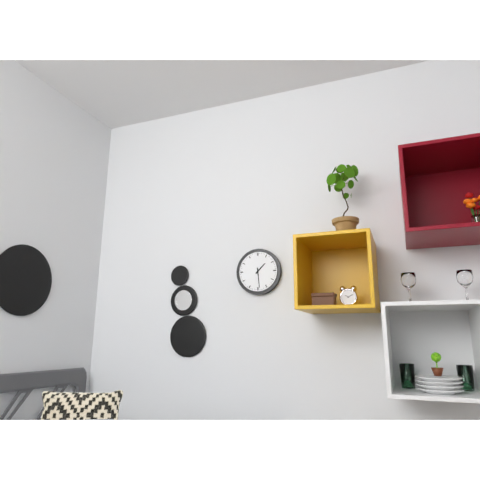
1 h 29 min
